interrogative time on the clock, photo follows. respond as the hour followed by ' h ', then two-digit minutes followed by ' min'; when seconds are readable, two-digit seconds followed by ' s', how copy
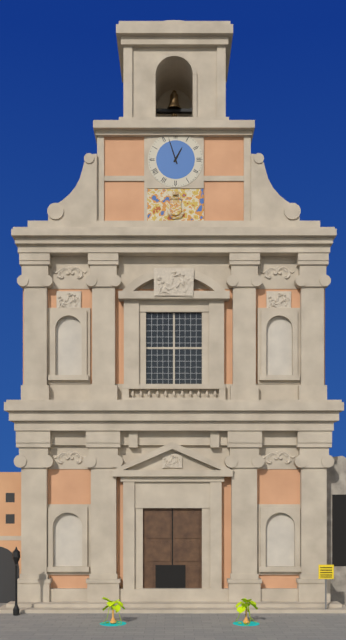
12 h 57 min
